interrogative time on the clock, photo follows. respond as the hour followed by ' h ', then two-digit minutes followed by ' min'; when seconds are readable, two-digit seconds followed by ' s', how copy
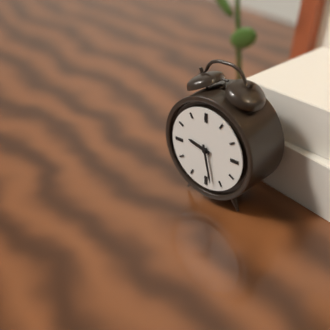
9 h 28 min
